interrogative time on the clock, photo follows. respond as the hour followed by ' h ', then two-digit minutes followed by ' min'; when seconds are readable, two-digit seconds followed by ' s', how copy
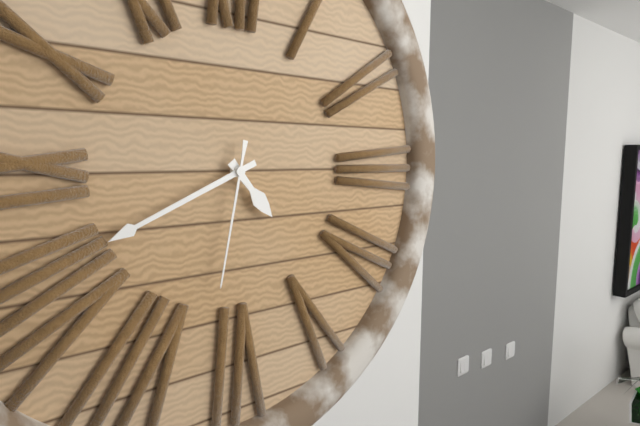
4 h 41 min 32 s
